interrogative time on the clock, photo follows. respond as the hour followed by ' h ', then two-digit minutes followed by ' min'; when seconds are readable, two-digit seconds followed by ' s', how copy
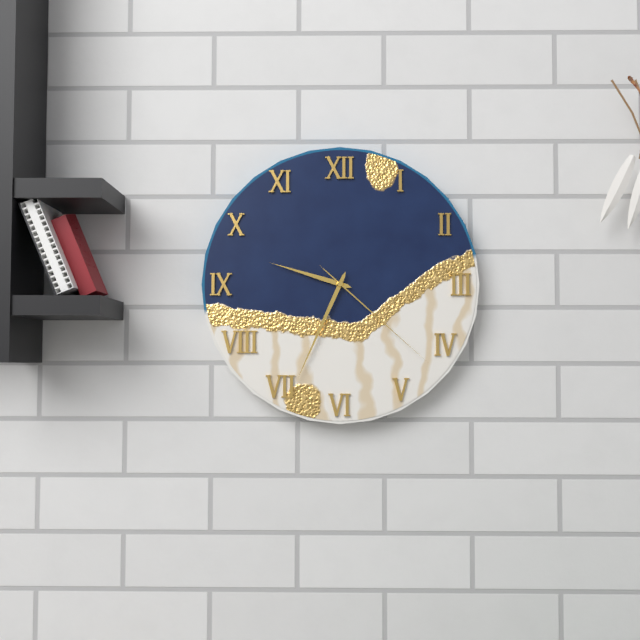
9 h 34 min 22 s
